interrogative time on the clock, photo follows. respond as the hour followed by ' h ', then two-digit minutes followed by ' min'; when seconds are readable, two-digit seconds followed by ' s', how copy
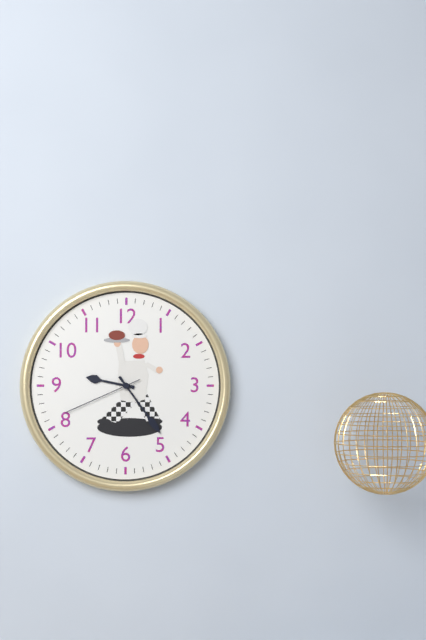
9 h 24 min 41 s
